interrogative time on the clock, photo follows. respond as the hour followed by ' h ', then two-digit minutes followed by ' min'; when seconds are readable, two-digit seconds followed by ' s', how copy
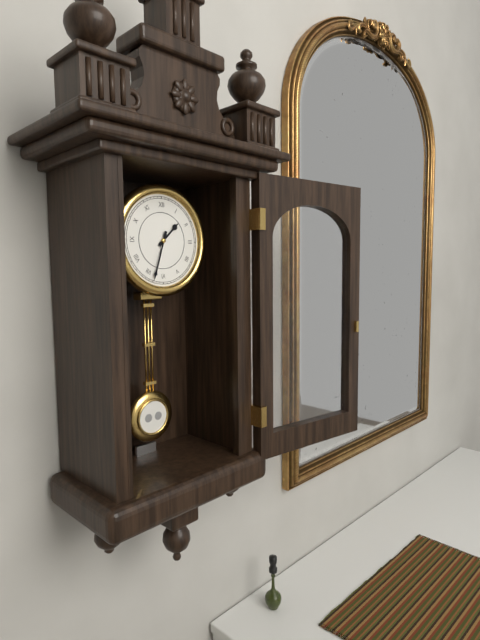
1 h 33 min
